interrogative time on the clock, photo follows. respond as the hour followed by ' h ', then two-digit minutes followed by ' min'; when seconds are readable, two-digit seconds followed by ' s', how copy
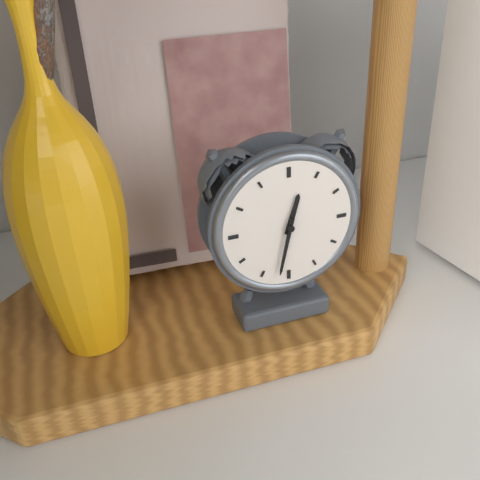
12 h 32 min
